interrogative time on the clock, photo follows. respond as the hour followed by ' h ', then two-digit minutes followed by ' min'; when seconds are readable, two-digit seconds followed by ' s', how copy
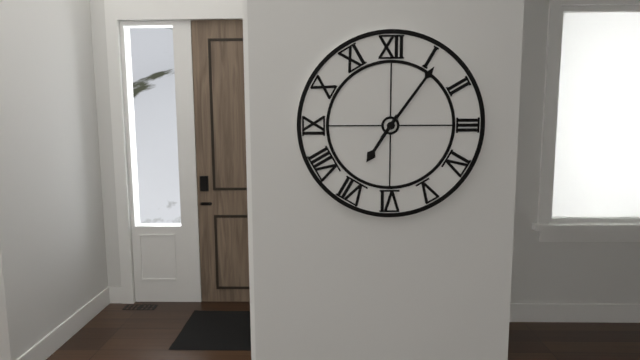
7 h 06 min
